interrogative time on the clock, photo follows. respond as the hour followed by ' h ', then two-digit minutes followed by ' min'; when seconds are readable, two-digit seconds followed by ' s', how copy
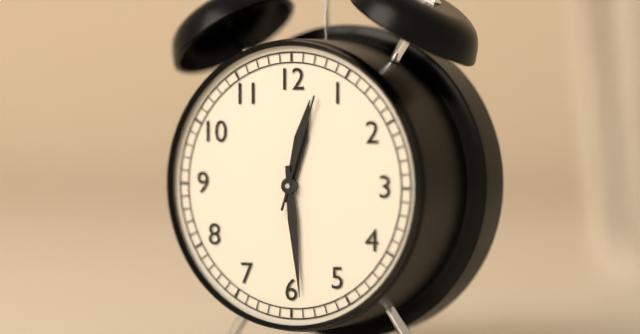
12 h 29 min 03 s
